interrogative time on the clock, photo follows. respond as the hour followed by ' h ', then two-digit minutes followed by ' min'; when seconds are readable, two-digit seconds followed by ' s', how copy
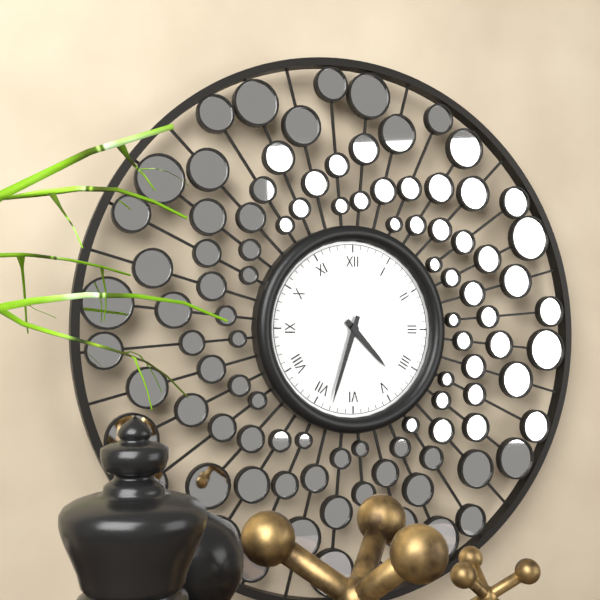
4 h 33 min
